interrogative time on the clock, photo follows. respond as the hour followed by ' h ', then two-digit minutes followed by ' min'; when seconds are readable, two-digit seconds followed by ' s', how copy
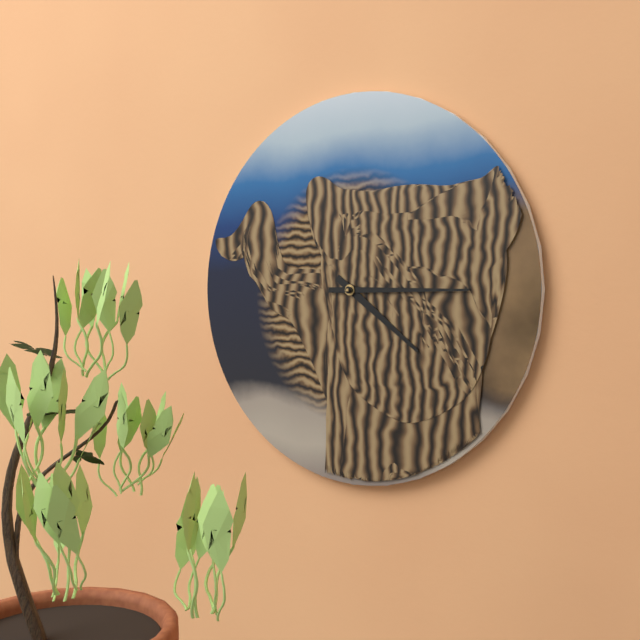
4 h 15 min
